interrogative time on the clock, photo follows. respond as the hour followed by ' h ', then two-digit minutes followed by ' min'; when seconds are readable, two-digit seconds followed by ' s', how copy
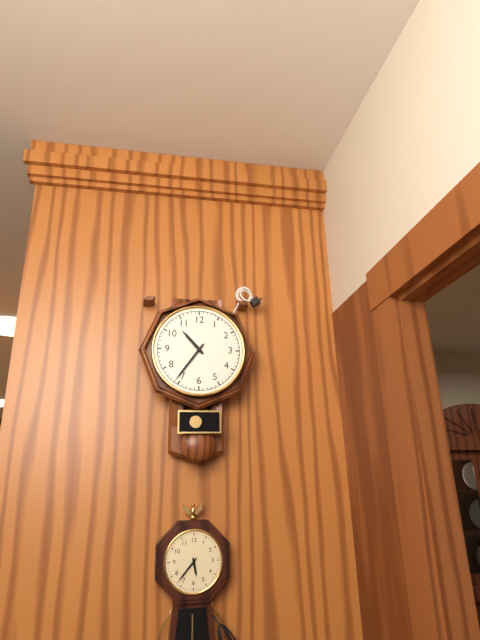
10 h 36 min
